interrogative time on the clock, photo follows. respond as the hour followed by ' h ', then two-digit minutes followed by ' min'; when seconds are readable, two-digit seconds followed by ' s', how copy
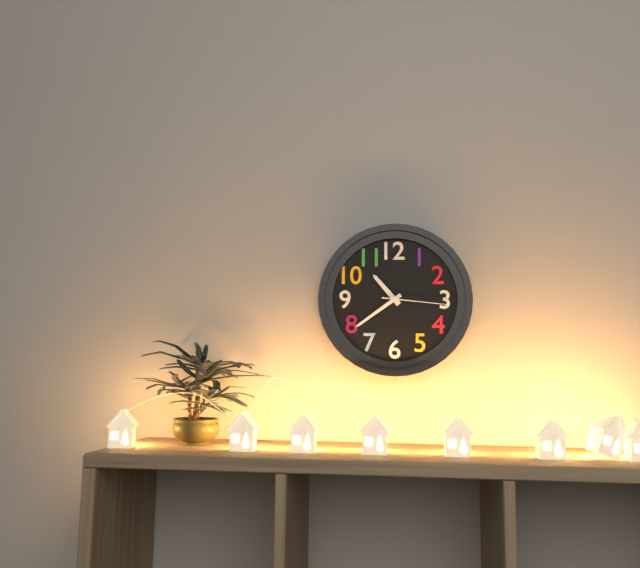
10 h 39 min 16 s
